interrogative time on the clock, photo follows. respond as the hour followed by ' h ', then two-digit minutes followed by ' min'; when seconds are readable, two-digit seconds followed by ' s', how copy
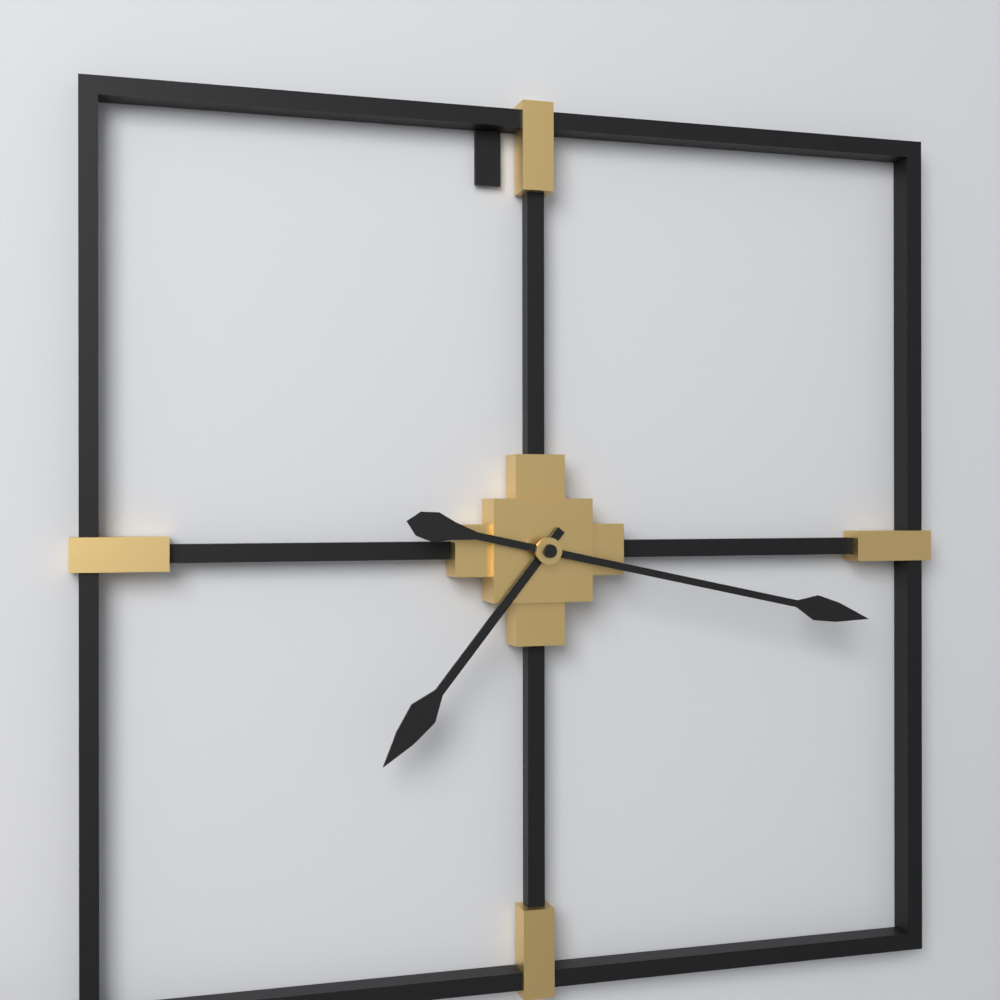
7 h 17 min
